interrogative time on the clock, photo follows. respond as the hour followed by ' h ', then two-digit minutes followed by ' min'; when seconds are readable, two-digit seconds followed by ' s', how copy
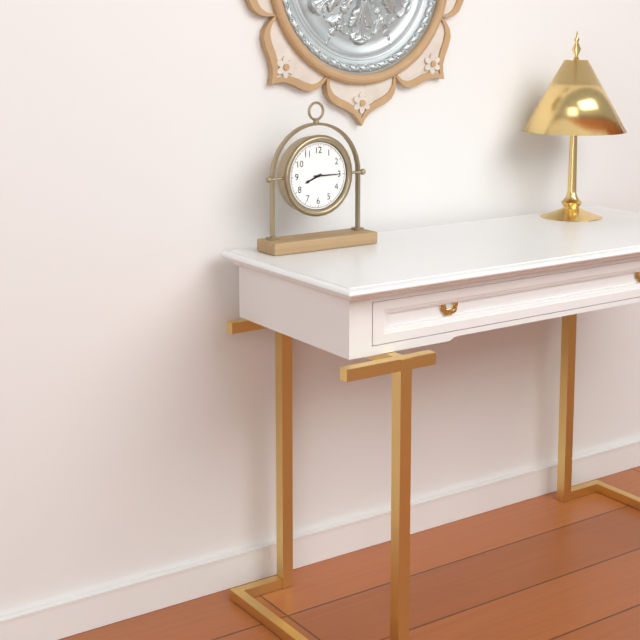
8 h 15 min
